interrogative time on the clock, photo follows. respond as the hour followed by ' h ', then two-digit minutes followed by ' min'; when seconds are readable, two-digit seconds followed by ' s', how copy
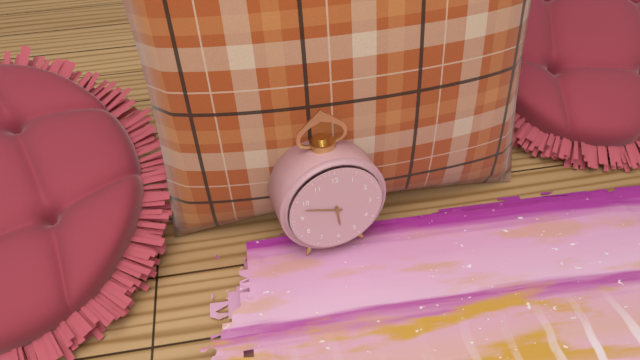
5 h 48 min
